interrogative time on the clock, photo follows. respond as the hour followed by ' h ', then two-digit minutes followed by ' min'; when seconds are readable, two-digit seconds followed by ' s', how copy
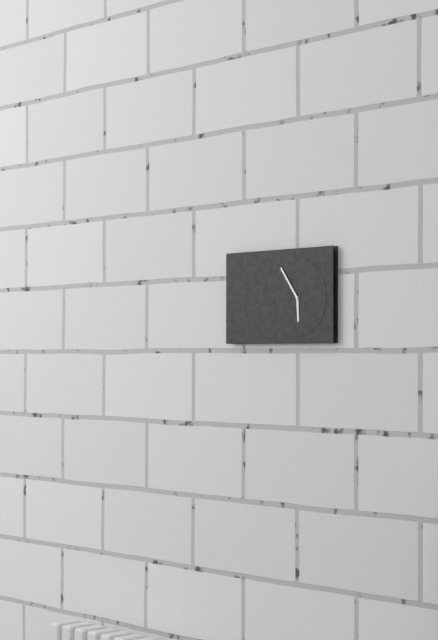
5 h 54 min
